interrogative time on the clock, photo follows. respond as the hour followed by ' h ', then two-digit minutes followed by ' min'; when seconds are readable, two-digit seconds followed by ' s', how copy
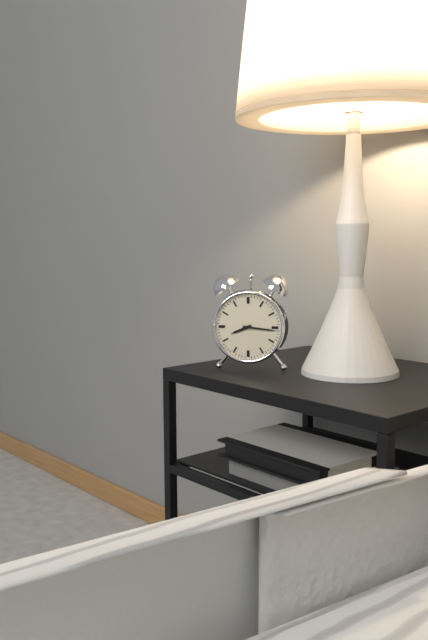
8 h 16 min
